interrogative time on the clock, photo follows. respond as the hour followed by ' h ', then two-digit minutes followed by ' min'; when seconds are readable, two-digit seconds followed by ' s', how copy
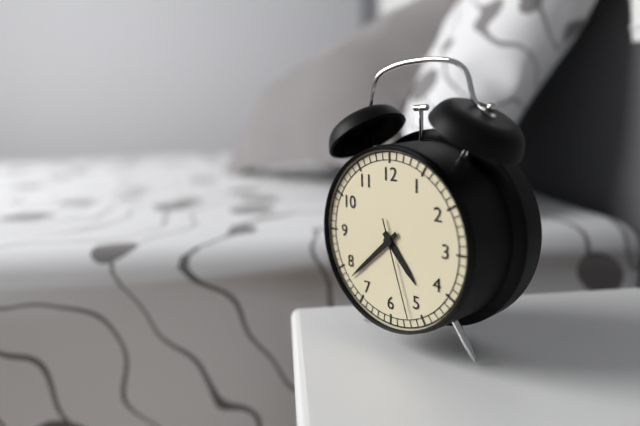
4 h 38 min 27 s
